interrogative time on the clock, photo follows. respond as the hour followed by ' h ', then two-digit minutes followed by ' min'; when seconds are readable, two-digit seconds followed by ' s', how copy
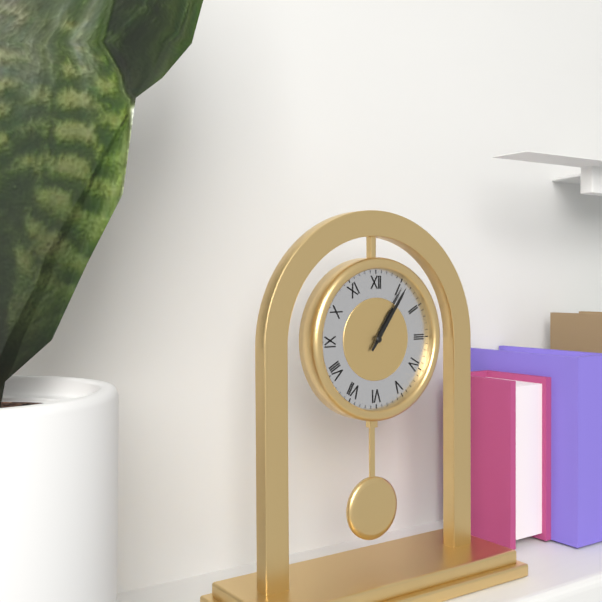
1 h 06 min
